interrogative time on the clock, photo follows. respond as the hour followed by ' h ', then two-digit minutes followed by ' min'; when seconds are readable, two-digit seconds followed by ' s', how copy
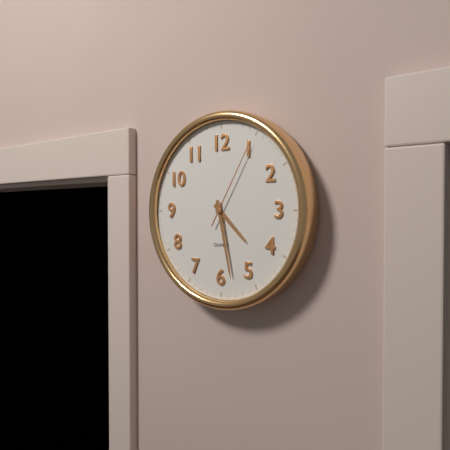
4 h 28 min 05 s
